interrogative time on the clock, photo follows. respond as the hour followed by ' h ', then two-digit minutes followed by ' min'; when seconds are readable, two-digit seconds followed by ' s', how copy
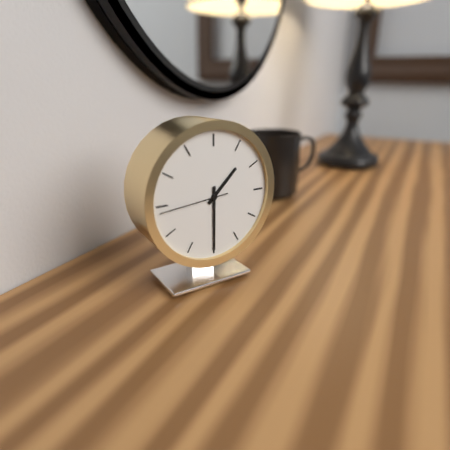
1 h 30 min 44 s
